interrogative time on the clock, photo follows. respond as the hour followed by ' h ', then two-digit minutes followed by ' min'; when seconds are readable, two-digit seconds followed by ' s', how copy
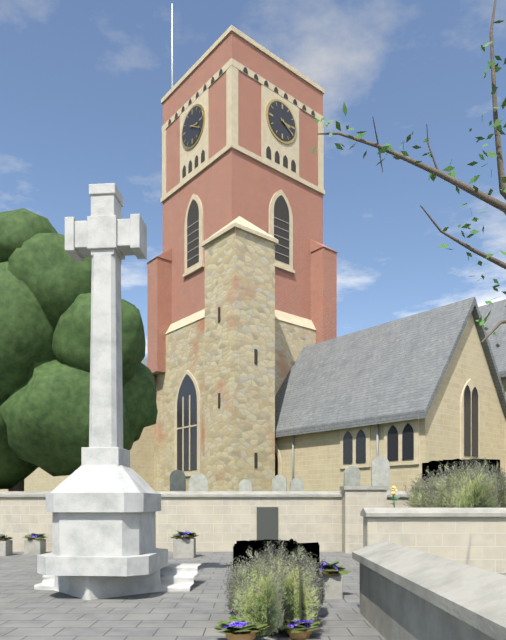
3 h 20 min
